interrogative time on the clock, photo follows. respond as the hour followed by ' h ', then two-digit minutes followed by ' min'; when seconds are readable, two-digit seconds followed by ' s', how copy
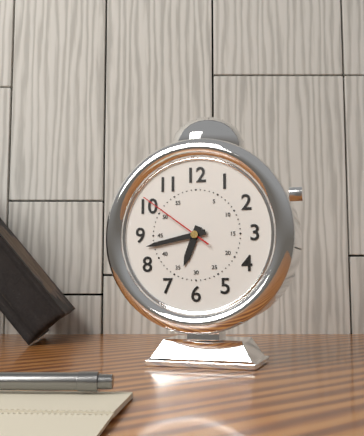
6 h 43 min 51 s
